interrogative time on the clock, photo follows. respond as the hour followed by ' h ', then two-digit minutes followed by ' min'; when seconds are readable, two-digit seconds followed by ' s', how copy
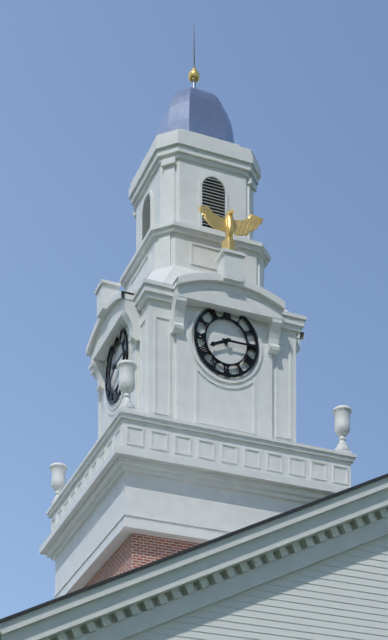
8 h 15 min
